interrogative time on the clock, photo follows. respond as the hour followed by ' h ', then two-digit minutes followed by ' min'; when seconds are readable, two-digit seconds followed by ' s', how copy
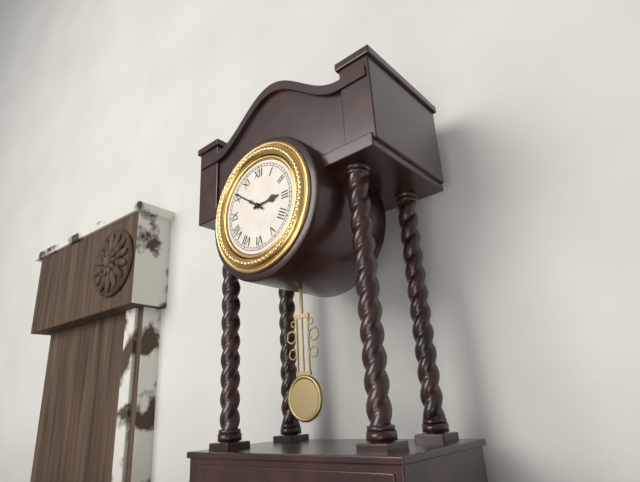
2 h 51 min
